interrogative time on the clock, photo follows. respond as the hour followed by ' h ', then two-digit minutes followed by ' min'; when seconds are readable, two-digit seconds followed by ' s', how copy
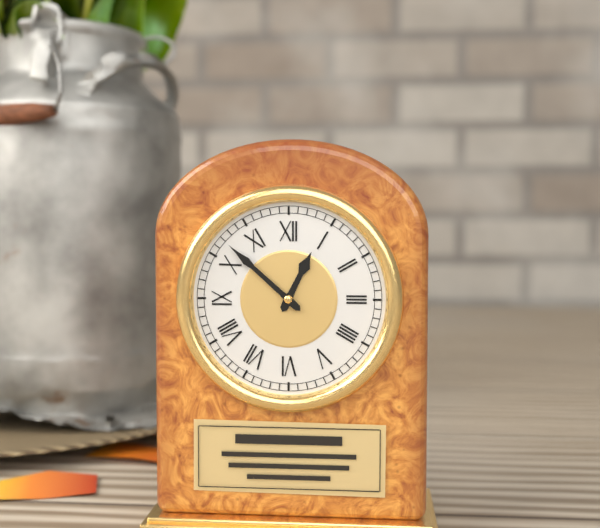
12 h 52 min
